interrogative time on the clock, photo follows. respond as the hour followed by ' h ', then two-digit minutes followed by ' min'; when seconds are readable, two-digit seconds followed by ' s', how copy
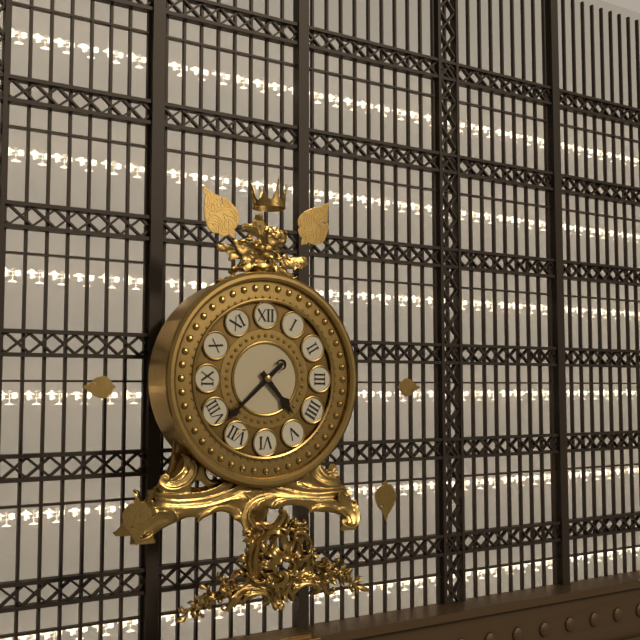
4 h 38 min
